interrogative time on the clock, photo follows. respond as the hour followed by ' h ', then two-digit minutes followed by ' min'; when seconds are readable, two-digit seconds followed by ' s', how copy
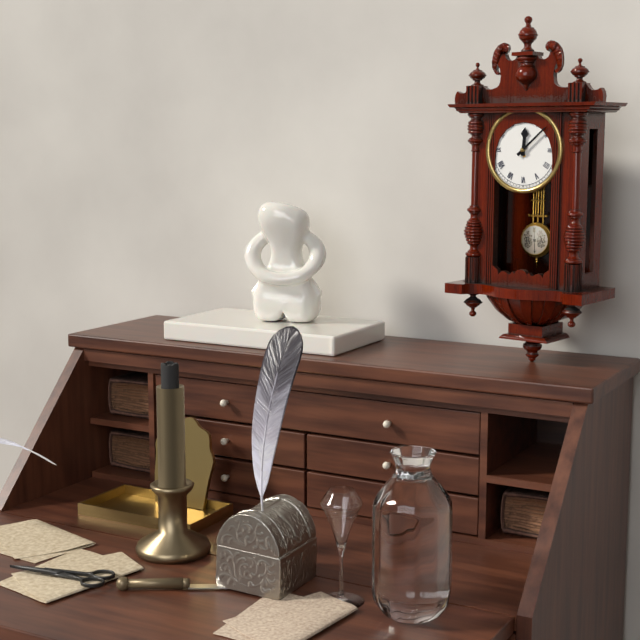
12 h 08 min
